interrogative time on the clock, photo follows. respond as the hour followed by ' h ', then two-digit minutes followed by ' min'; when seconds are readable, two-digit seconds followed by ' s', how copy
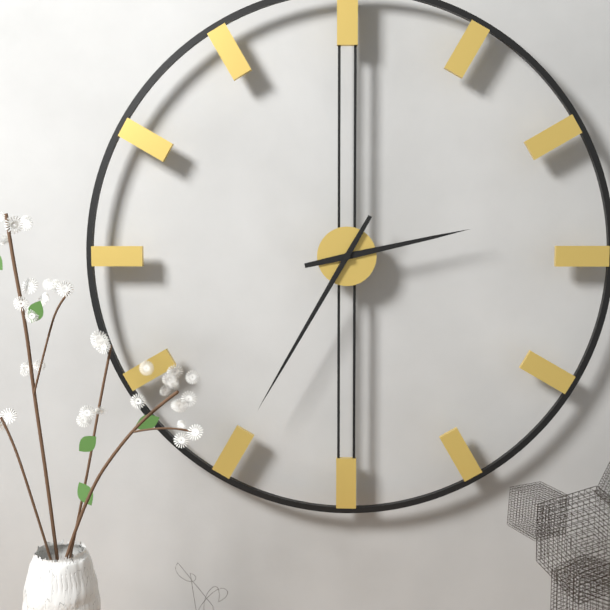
2 h 35 min
